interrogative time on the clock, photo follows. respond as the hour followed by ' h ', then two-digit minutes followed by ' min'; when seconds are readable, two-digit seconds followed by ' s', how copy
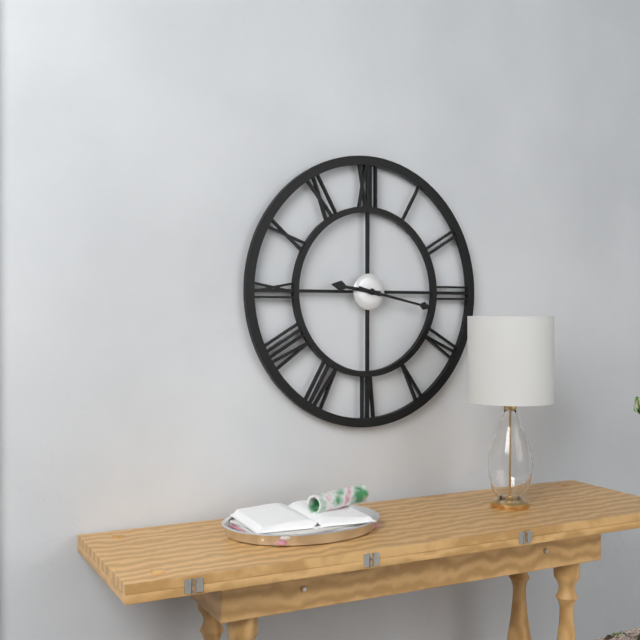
9 h 17 min
